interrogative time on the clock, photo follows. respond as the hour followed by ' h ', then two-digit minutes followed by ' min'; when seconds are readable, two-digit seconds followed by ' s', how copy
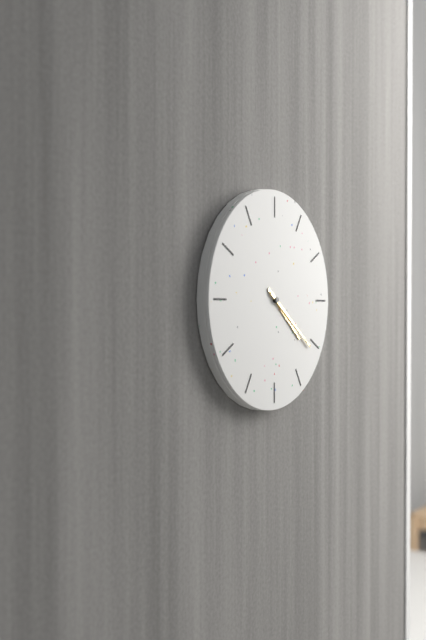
4 h 21 min
